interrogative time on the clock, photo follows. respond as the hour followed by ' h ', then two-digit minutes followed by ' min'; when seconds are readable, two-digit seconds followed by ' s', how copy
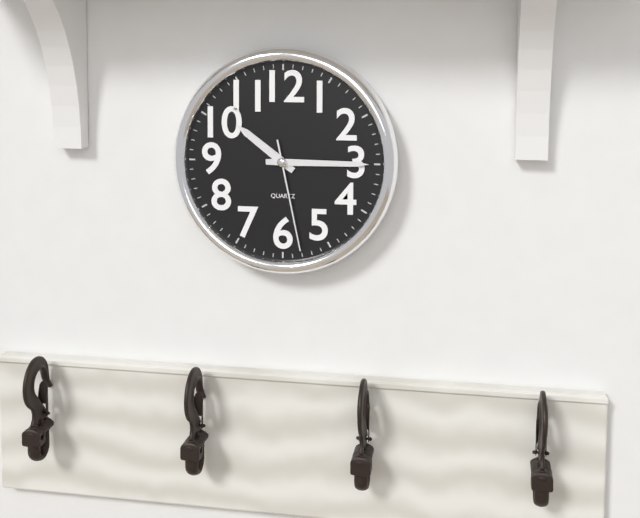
10 h 15 min 28 s
